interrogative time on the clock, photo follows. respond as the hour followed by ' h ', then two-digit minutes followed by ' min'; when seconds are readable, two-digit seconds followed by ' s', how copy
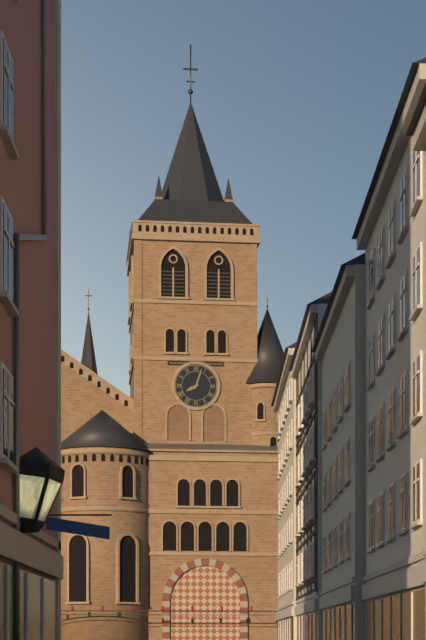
8 h 03 min
